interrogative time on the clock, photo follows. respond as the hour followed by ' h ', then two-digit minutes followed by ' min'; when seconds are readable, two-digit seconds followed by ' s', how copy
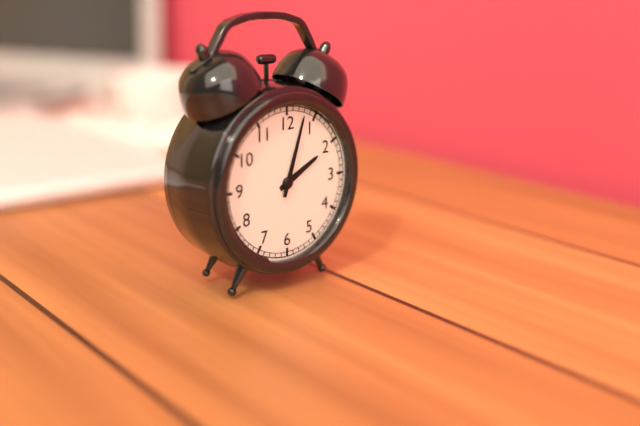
2 h 03 min
